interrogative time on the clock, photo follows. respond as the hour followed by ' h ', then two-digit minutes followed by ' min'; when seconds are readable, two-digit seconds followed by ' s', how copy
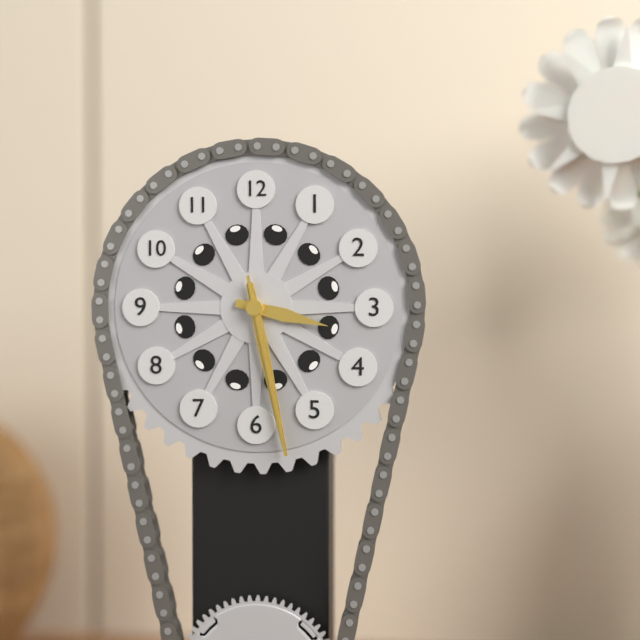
3 h 28 min 28 s
